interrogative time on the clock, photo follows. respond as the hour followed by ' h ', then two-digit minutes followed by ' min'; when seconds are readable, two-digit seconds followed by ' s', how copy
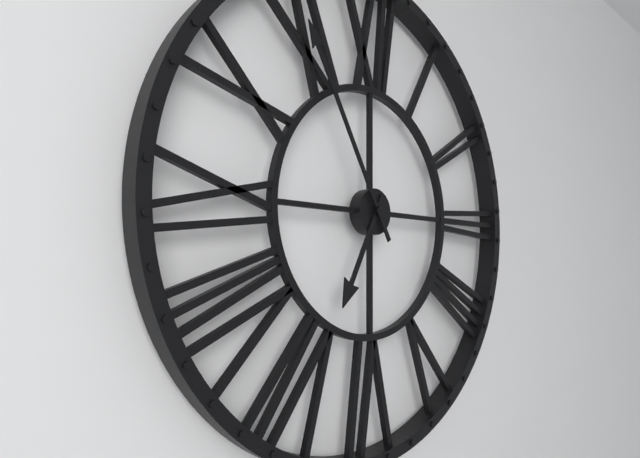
6 h 55 min
